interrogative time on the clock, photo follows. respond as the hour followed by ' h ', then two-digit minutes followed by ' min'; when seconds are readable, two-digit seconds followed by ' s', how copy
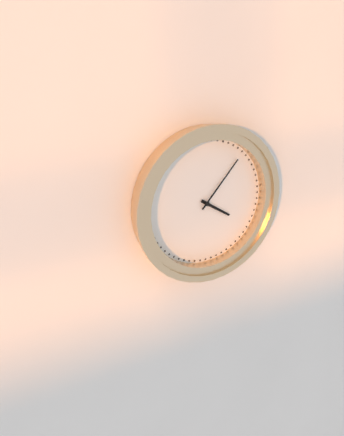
4 h 07 min
